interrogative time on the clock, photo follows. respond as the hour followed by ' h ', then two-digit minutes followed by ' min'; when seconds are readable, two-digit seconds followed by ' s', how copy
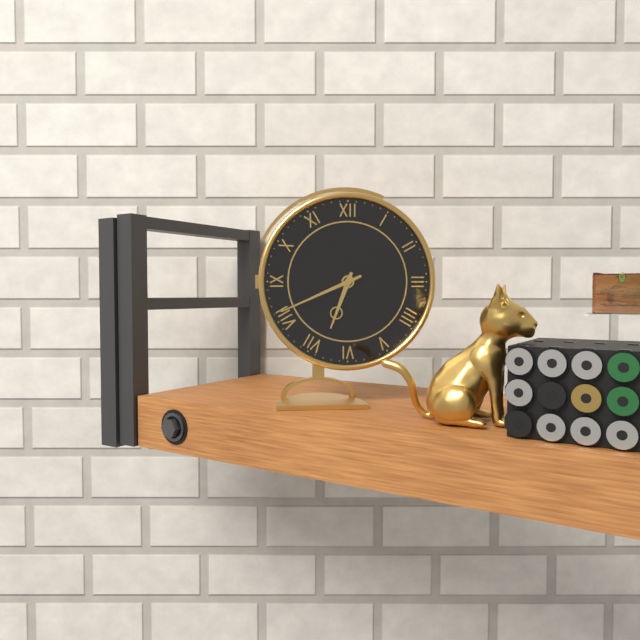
6 h 41 min
